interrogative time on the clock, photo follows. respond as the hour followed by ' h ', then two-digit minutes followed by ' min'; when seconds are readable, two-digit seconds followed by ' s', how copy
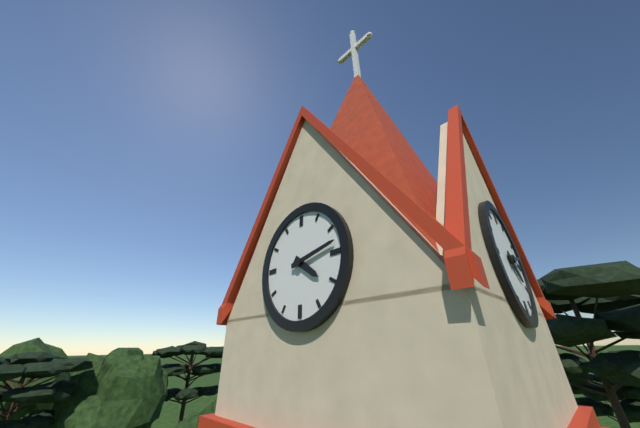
4 h 13 min
